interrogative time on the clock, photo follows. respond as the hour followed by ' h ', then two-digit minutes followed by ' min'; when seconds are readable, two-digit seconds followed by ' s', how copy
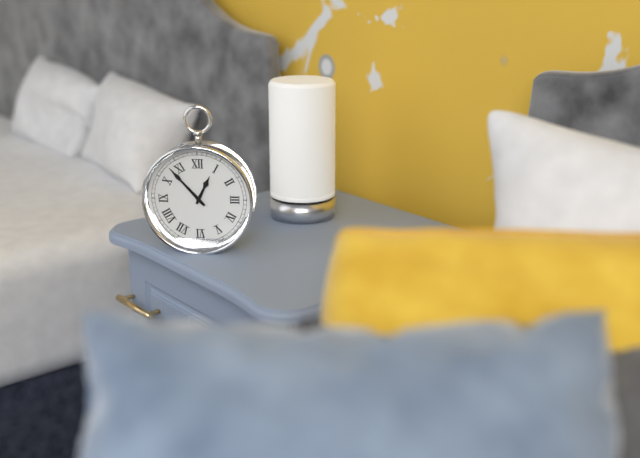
12 h 53 min
